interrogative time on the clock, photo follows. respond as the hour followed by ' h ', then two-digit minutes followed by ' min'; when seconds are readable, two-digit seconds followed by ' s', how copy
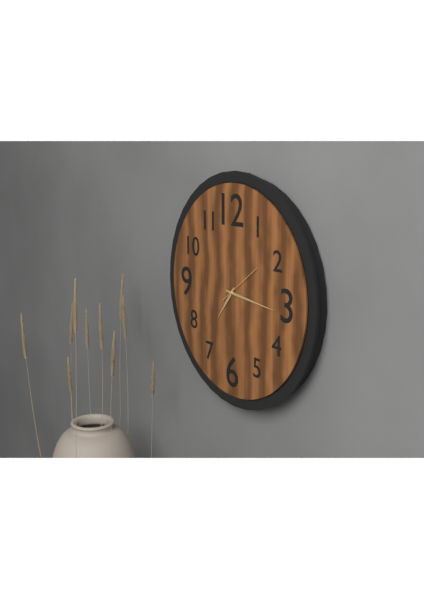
7 h 16 min
